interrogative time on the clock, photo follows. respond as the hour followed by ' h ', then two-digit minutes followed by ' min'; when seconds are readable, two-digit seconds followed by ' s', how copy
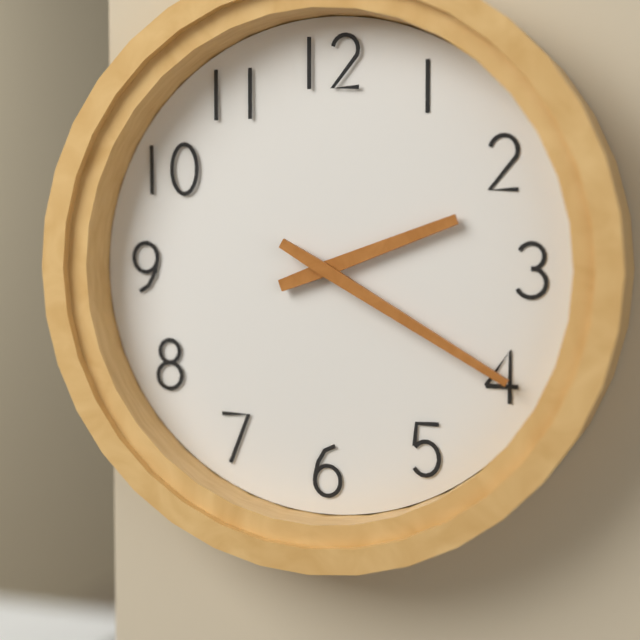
2 h 20 min
